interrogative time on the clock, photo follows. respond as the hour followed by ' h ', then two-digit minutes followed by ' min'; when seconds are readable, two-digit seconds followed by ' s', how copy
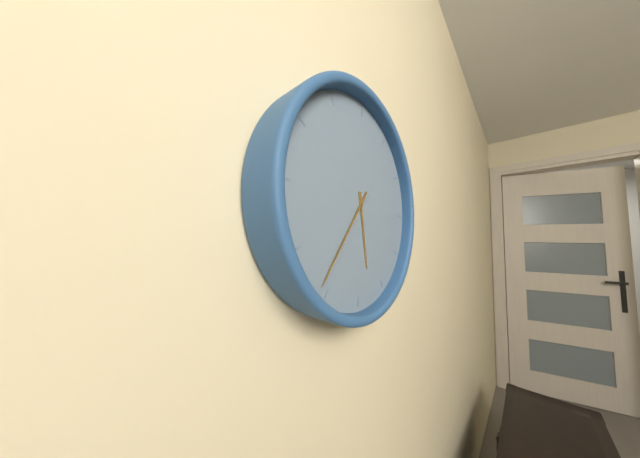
5 h 36 min
